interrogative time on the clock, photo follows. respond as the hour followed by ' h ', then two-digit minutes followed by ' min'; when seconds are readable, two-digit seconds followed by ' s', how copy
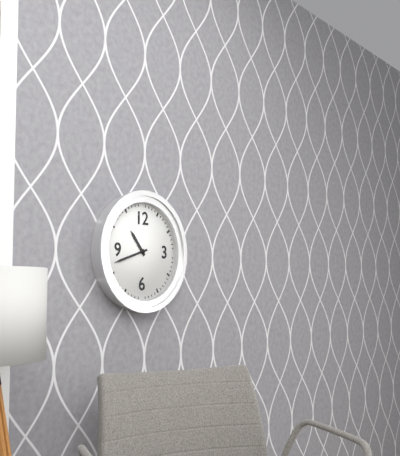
10 h 42 min
